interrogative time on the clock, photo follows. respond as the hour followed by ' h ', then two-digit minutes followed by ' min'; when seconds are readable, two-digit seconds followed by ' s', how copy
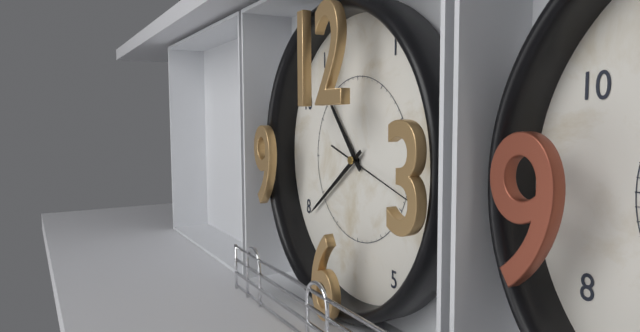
10 h 39 min 18 s
